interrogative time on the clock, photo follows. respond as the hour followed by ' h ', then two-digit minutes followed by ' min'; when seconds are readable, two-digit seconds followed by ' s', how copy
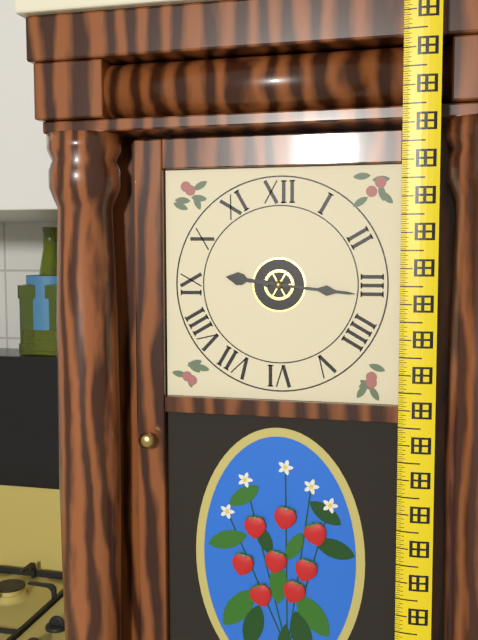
9 h 16 min
